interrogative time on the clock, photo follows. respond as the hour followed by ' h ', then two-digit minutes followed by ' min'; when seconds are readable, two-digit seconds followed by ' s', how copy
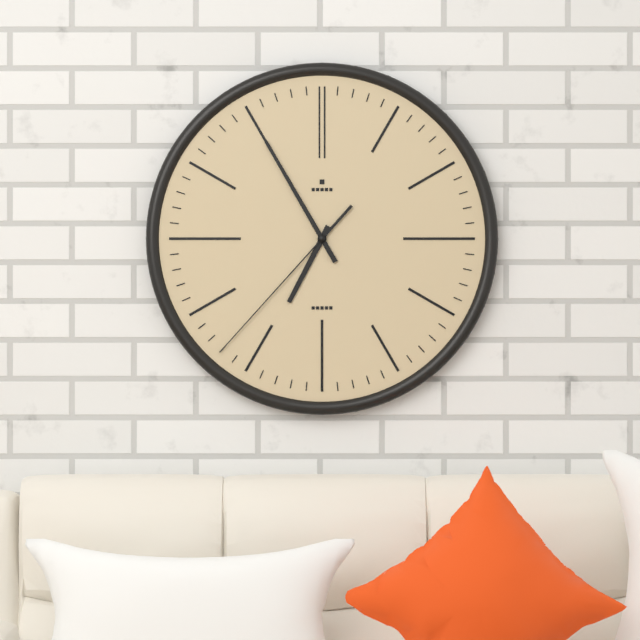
6 h 55 min 37 s
